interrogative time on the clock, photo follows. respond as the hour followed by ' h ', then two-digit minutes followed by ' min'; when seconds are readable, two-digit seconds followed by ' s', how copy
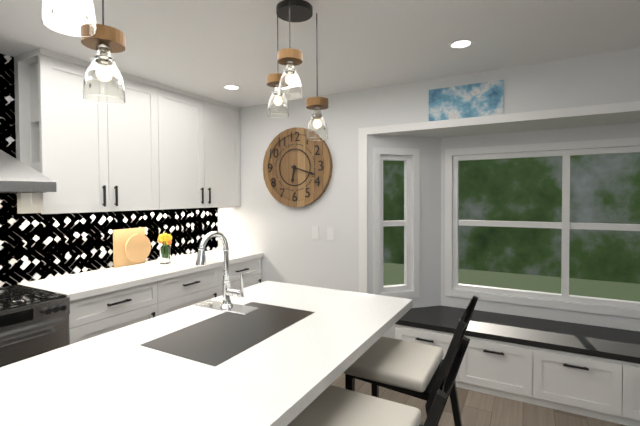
6 h 18 min
